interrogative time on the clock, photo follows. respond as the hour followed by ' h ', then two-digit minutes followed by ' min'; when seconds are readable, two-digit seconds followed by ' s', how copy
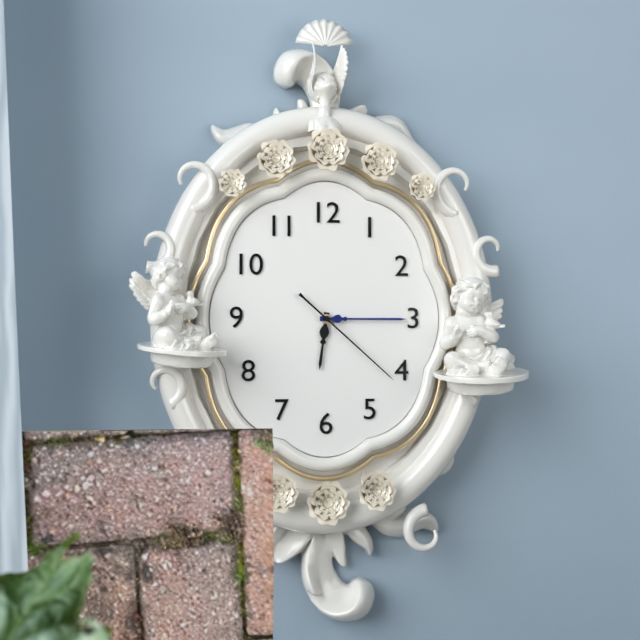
6 h 15 min 22 s
